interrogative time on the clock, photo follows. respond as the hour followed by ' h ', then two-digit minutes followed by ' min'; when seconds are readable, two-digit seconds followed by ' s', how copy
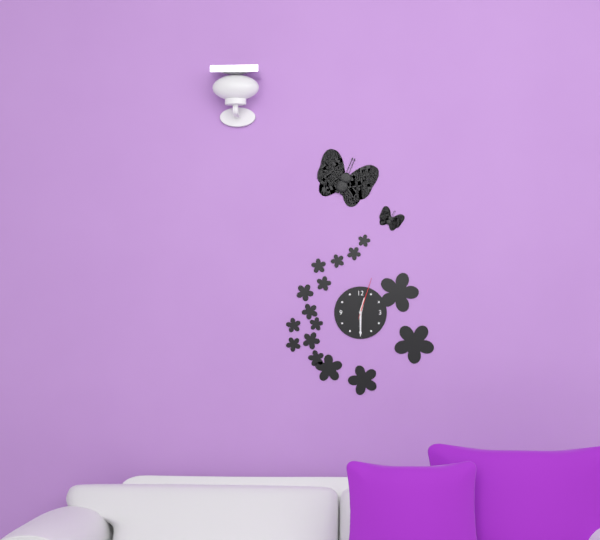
12 h 30 min
